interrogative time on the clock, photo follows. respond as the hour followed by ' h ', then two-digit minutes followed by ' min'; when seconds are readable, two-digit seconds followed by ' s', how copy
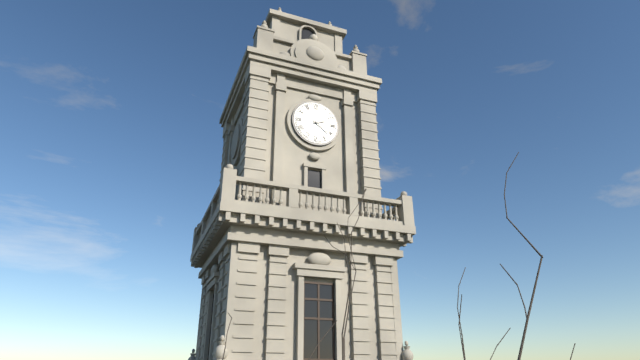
2 h 21 min
